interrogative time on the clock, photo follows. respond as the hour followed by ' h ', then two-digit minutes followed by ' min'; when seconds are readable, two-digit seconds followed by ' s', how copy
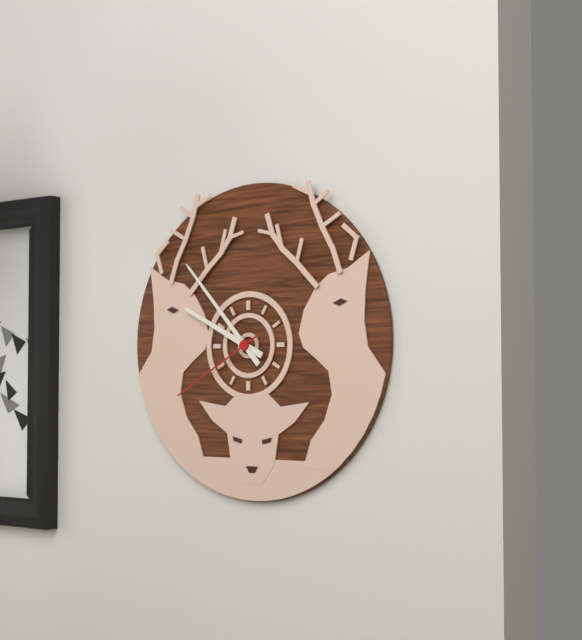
9 h 53 min 40 s
